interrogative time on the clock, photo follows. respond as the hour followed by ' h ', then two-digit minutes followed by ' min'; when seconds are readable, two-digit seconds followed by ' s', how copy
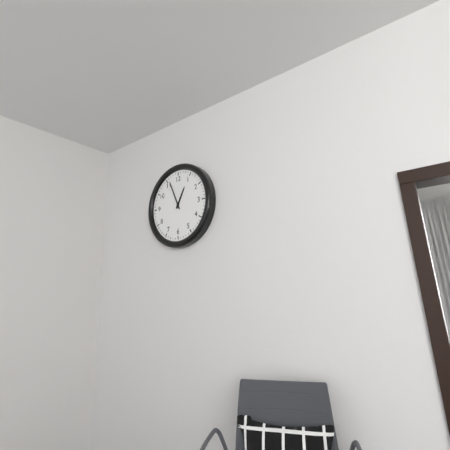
12 h 56 min
